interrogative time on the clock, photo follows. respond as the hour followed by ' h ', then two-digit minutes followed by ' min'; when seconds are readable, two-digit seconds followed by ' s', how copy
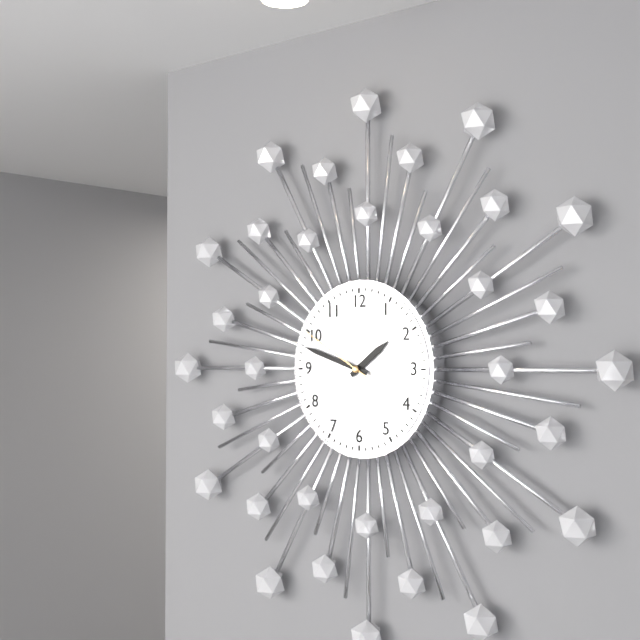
1 h 48 min 50 s
